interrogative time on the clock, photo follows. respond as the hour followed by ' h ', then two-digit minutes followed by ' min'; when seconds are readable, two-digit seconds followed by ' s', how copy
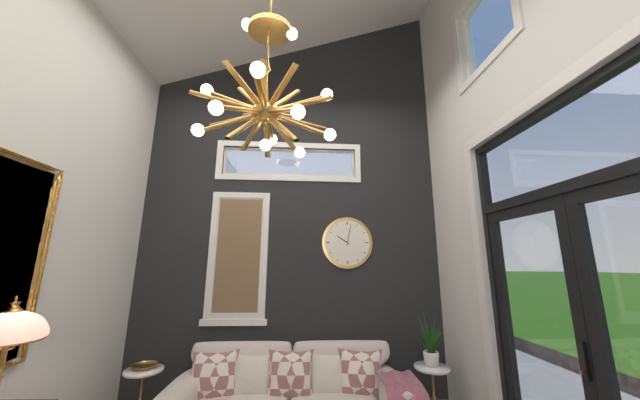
10 h 02 min
